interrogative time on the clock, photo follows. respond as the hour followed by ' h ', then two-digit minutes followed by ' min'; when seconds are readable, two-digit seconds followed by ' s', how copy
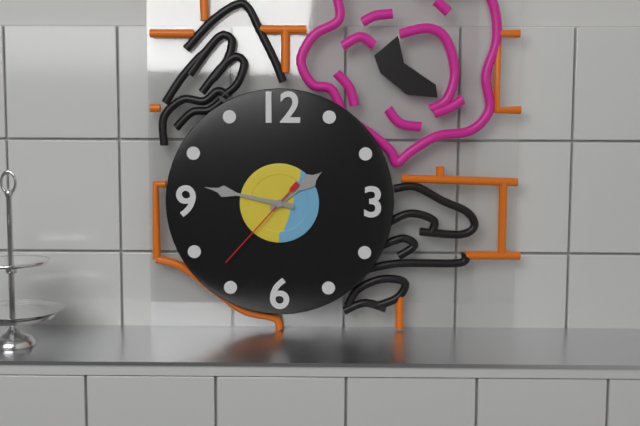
1 h 47 min 37 s
